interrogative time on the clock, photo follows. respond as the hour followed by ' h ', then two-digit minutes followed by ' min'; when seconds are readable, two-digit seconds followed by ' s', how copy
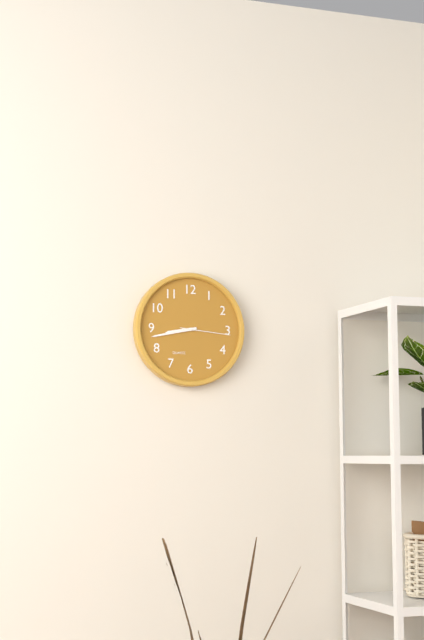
8 h 43 min 16 s
